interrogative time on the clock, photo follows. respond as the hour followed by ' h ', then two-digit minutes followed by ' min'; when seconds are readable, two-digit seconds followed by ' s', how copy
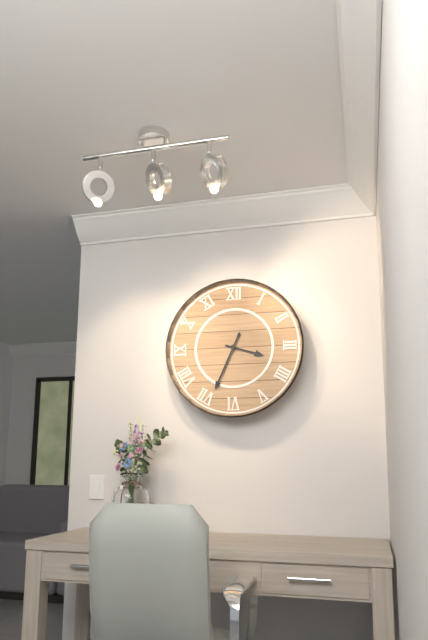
3 h 34 min
